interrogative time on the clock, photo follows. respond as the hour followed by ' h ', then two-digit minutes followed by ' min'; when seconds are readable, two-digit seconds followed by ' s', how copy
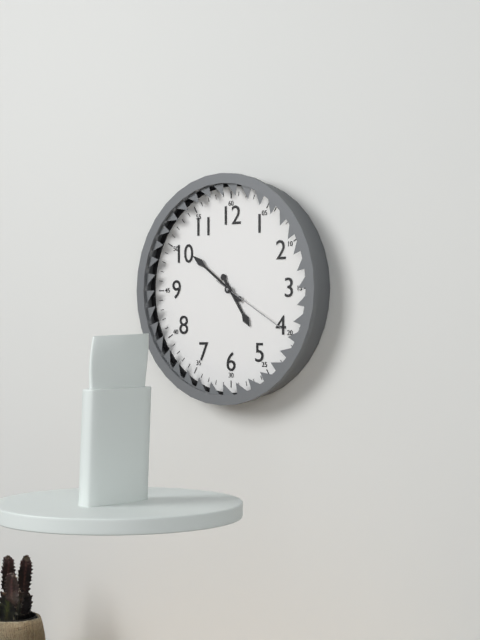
4 h 51 min 20 s
